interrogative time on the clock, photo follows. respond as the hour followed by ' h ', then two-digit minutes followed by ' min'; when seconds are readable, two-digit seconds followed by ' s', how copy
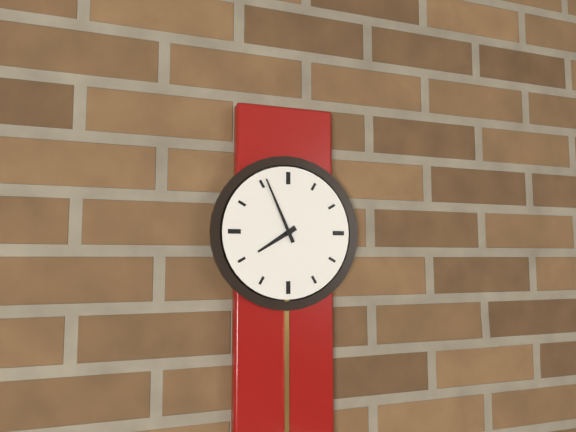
7 h 56 min
